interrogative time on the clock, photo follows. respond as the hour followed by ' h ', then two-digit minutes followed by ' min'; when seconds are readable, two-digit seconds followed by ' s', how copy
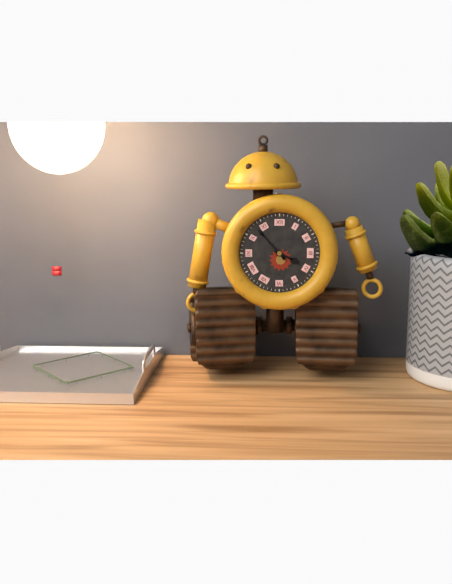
3 h 53 min
